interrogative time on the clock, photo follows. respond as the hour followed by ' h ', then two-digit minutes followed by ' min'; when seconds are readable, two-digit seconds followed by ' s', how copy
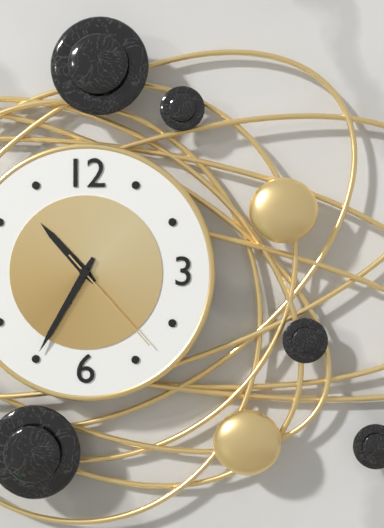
10 h 35 min 23 s
